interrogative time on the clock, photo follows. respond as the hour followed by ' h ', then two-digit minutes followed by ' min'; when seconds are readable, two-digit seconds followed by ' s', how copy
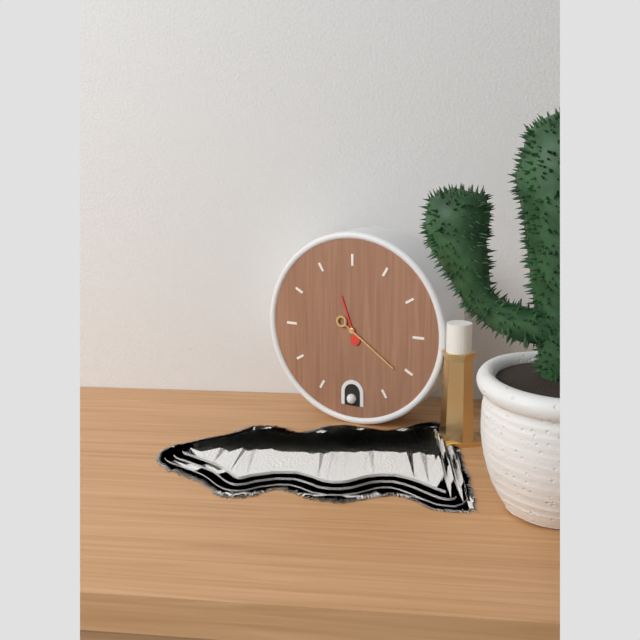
11 h 21 min
